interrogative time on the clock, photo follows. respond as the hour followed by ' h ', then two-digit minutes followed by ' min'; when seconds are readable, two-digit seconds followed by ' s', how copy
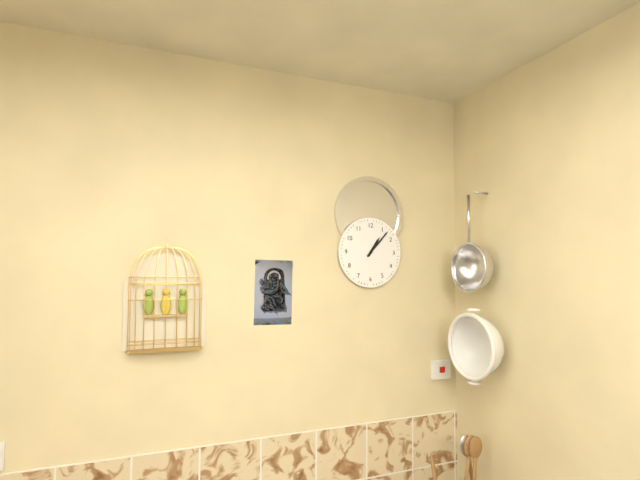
1 h 07 min
